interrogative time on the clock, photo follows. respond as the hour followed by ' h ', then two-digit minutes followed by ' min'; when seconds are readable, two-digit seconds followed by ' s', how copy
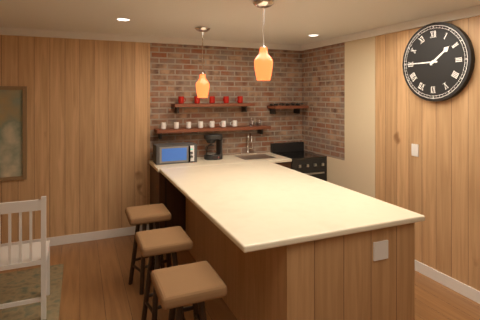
1 h 45 min
